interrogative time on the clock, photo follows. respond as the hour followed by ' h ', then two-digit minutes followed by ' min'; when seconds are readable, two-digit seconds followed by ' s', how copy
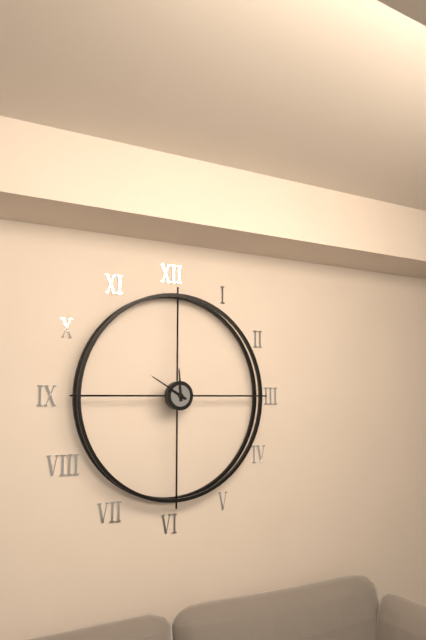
11 h 50 min
